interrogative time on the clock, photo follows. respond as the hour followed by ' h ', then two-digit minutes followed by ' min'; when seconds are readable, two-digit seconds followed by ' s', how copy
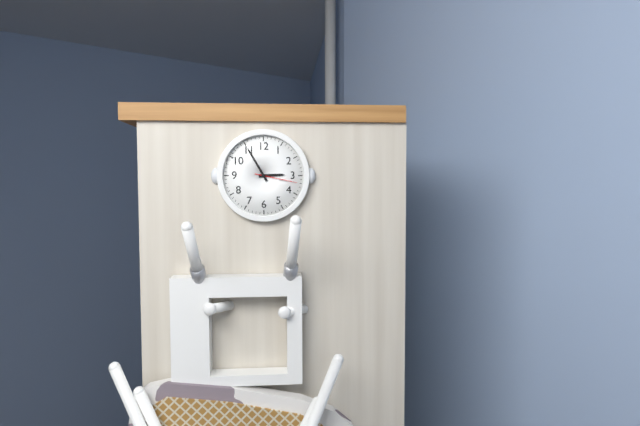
2 h 55 min
